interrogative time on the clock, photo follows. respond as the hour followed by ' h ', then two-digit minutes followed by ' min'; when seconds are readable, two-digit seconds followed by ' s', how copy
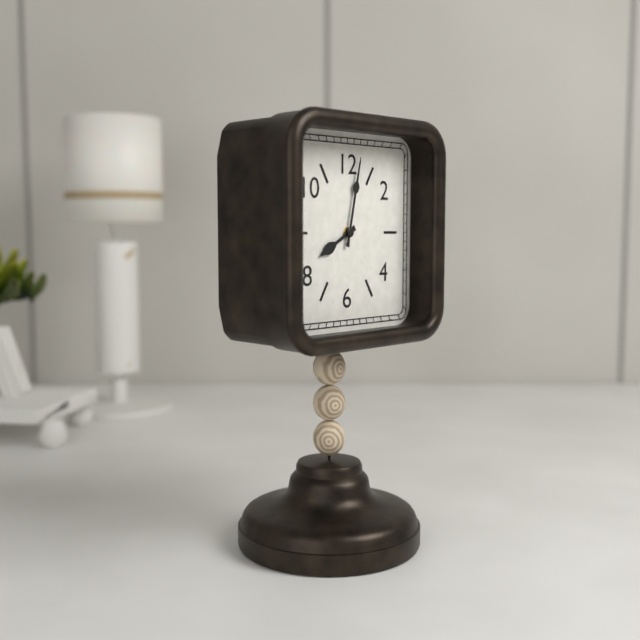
8 h 02 min
